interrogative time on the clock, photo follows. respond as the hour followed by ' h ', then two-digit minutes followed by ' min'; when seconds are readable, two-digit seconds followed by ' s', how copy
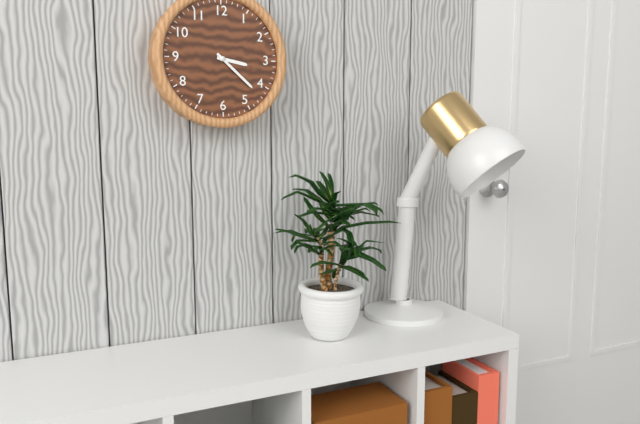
3 h 22 min
